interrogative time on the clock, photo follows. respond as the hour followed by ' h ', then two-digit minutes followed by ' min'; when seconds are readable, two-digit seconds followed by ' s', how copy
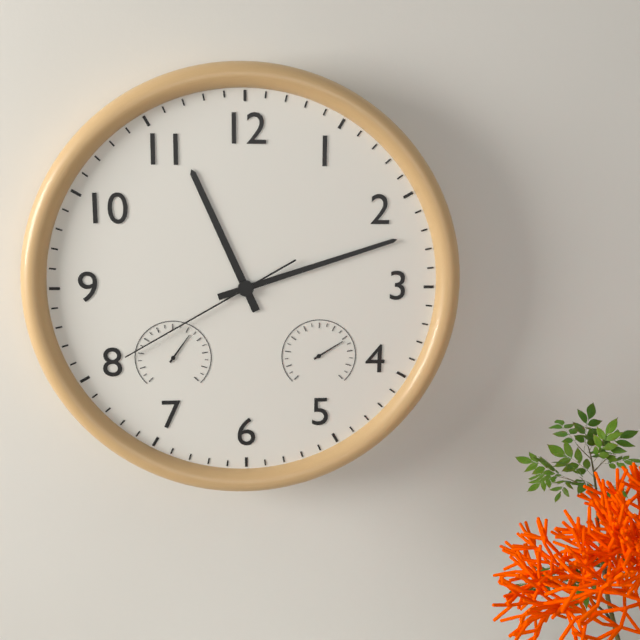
11 h 12 min 40 s
